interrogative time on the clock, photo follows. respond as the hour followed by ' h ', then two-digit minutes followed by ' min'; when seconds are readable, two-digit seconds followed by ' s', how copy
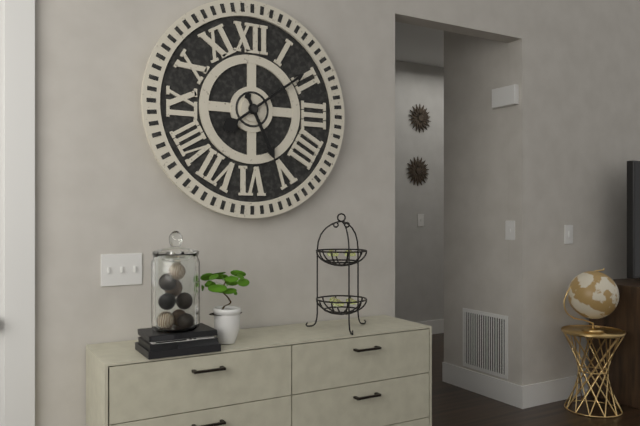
5 h 09 min
